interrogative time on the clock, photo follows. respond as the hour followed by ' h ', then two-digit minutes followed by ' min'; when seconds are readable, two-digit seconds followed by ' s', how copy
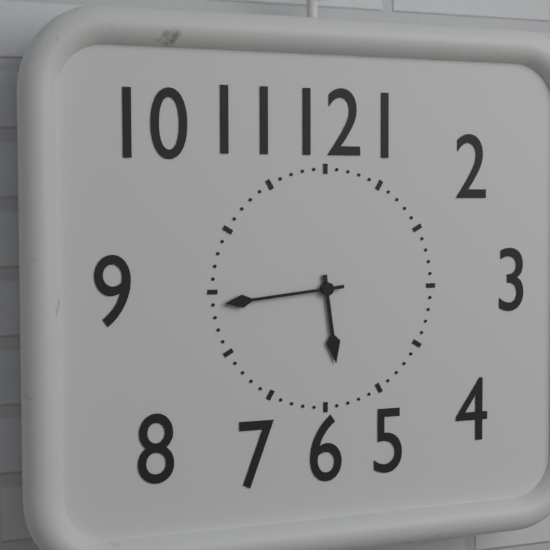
5 h 44 min
